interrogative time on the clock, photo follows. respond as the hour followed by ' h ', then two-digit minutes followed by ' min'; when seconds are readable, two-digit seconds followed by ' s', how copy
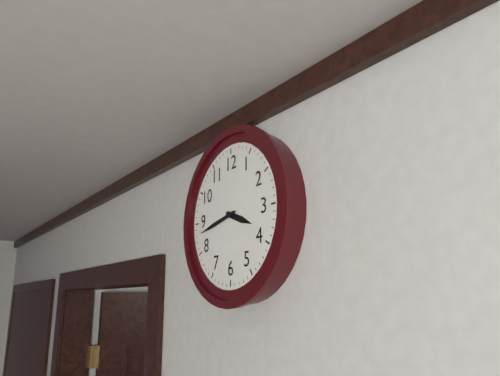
3 h 43 min
